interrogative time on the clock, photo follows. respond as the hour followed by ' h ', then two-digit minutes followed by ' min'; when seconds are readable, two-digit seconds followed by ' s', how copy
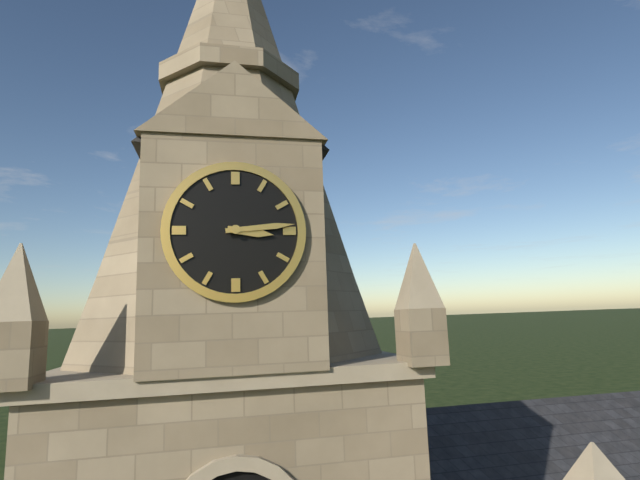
3 h 14 min
